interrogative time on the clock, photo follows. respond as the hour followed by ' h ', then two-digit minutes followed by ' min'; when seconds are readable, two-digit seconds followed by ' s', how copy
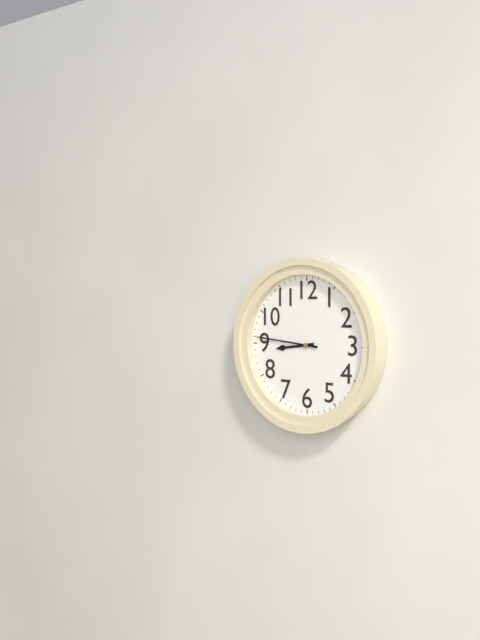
8 h 46 min
